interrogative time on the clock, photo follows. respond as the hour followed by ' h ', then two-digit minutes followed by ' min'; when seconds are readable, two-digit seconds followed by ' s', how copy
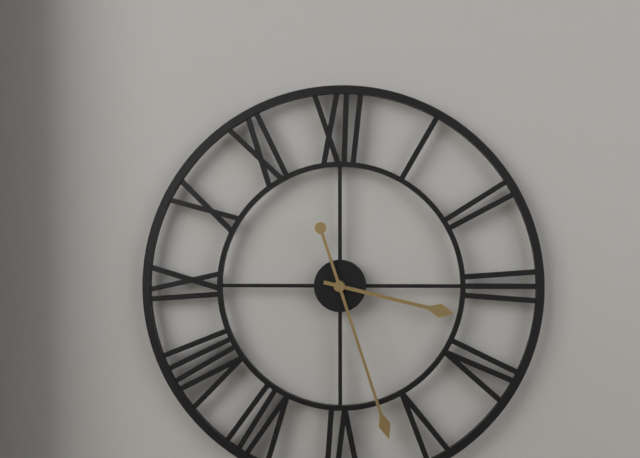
3 h 27 min
